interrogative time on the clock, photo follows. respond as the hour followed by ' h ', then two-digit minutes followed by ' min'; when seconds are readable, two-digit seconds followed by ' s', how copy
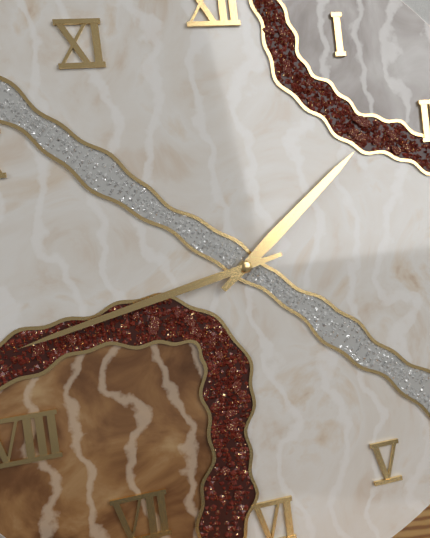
1 h 43 min
